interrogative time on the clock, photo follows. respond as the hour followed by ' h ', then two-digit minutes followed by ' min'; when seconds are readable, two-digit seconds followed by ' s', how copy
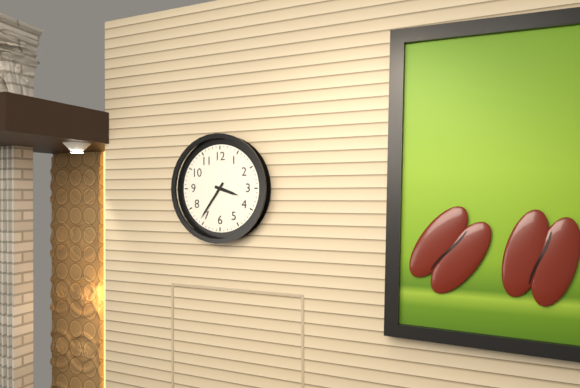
3 h 36 min
